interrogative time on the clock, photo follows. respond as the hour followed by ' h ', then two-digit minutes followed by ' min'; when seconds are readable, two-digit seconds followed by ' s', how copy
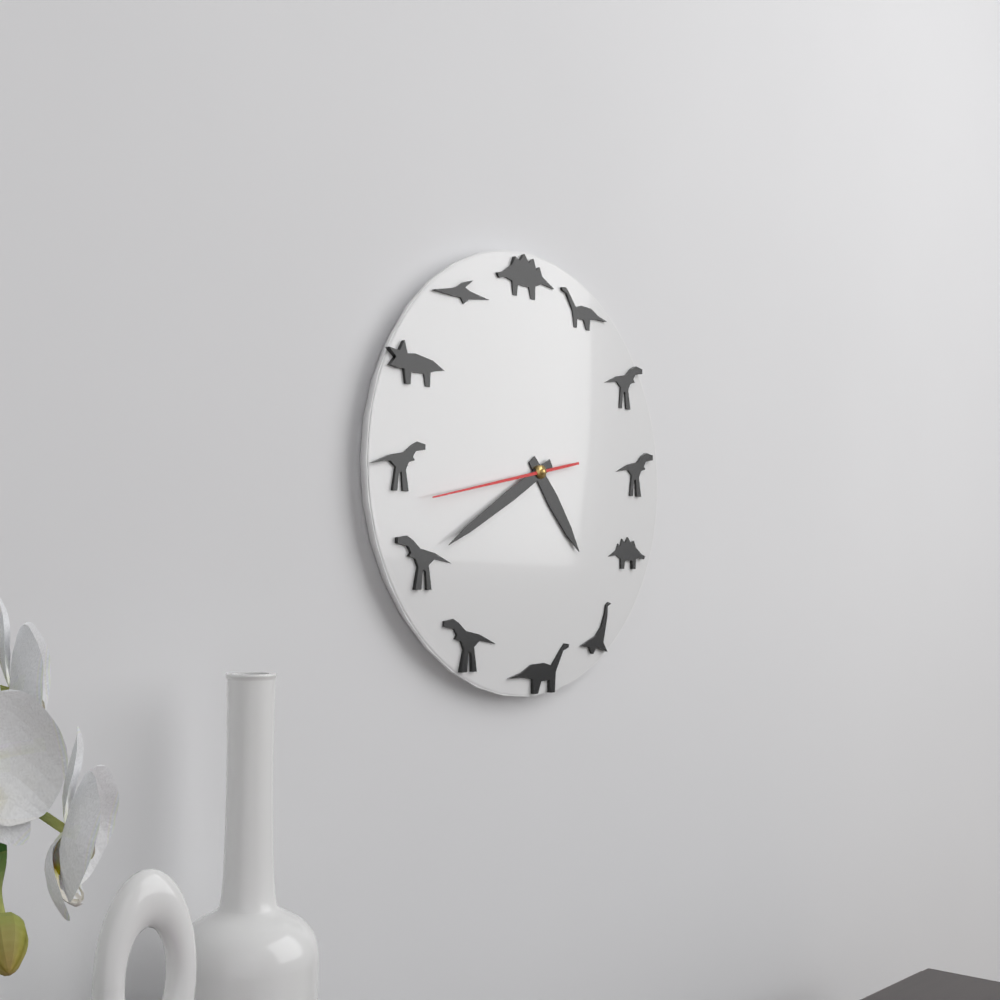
4 h 40 min 43 s
